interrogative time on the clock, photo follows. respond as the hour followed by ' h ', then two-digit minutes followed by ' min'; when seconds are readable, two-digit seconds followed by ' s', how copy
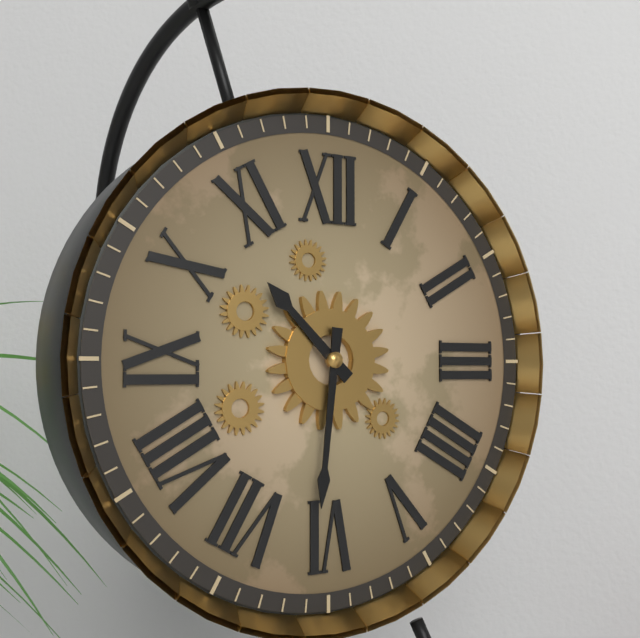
10 h 31 min
